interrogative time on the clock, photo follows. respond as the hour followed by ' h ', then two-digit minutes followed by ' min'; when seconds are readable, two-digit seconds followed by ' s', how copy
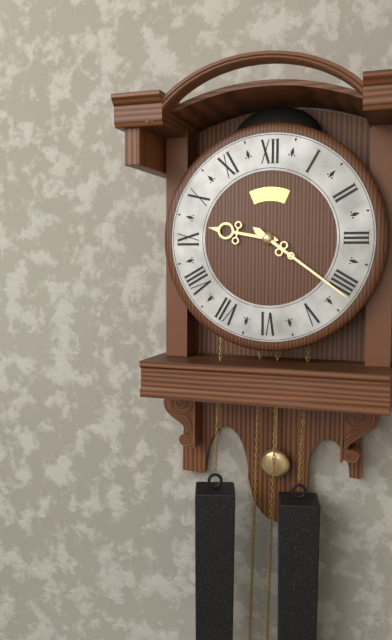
9 h 21 min
